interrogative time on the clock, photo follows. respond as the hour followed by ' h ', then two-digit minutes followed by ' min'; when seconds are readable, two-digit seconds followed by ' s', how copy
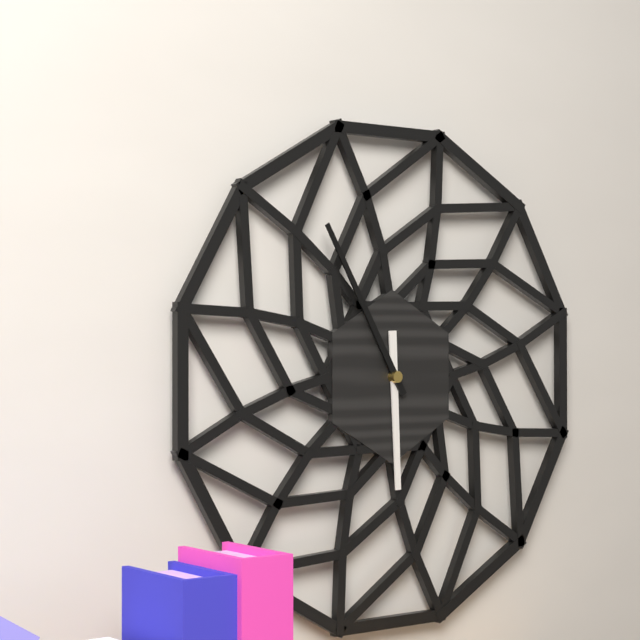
5 h 55 min
